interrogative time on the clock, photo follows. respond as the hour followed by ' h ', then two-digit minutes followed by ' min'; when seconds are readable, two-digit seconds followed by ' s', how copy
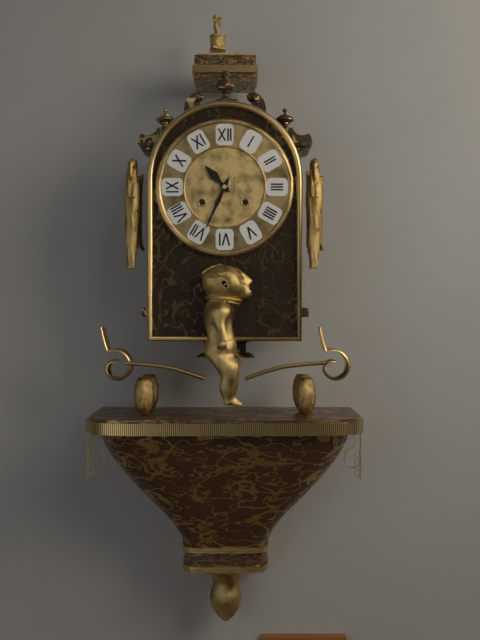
10 h 34 min
